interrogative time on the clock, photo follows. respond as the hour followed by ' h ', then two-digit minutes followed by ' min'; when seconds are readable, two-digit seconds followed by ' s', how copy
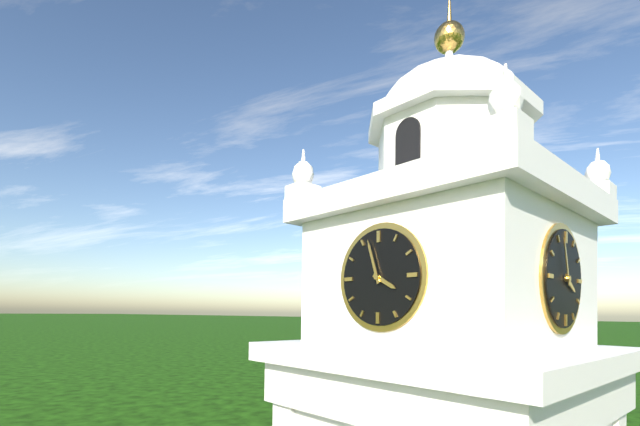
3 h 57 min
